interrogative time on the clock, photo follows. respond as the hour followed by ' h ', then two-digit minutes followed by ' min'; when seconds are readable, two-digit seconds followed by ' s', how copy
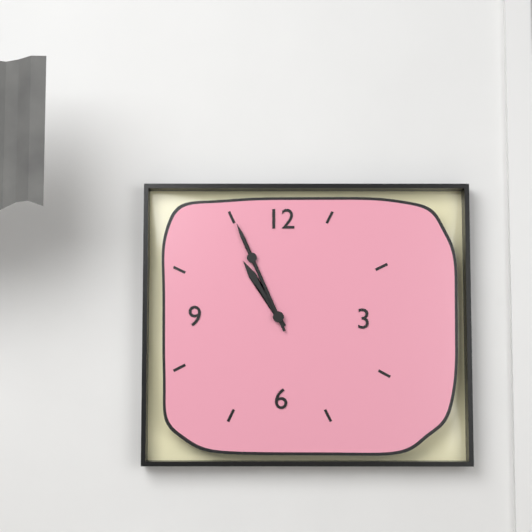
10 h 56 min
